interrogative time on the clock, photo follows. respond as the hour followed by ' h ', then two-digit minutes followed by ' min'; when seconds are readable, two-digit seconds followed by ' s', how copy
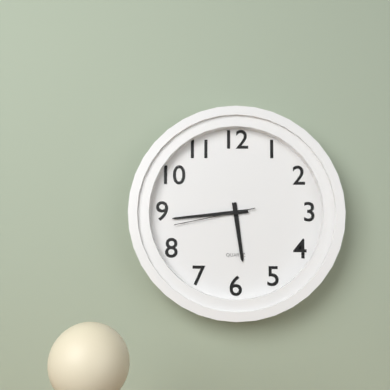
5 h 44 min 43 s
